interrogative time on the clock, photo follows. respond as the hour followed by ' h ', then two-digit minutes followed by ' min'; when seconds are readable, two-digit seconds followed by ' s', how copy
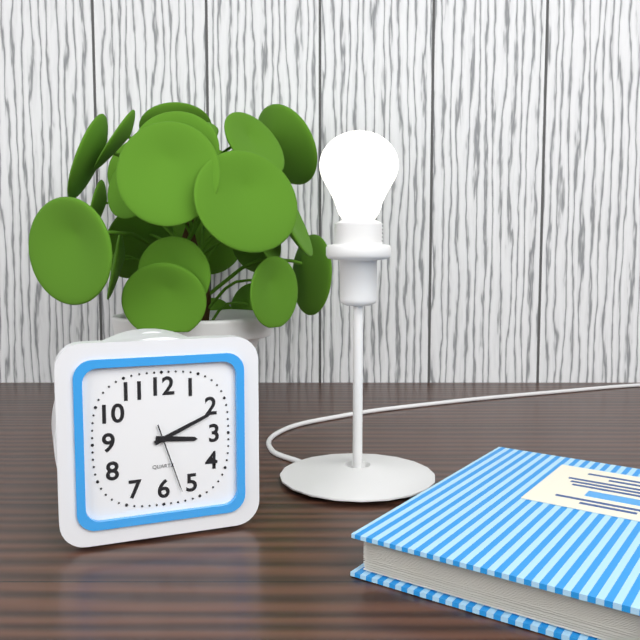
3 h 11 min 27 s
